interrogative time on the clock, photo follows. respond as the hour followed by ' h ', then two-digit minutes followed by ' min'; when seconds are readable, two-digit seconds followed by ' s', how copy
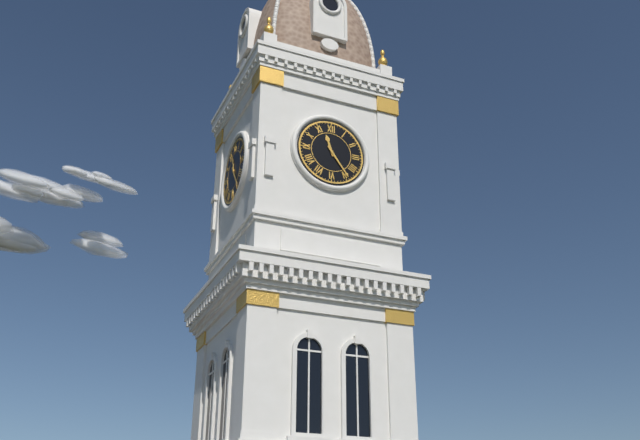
11 h 24 min
